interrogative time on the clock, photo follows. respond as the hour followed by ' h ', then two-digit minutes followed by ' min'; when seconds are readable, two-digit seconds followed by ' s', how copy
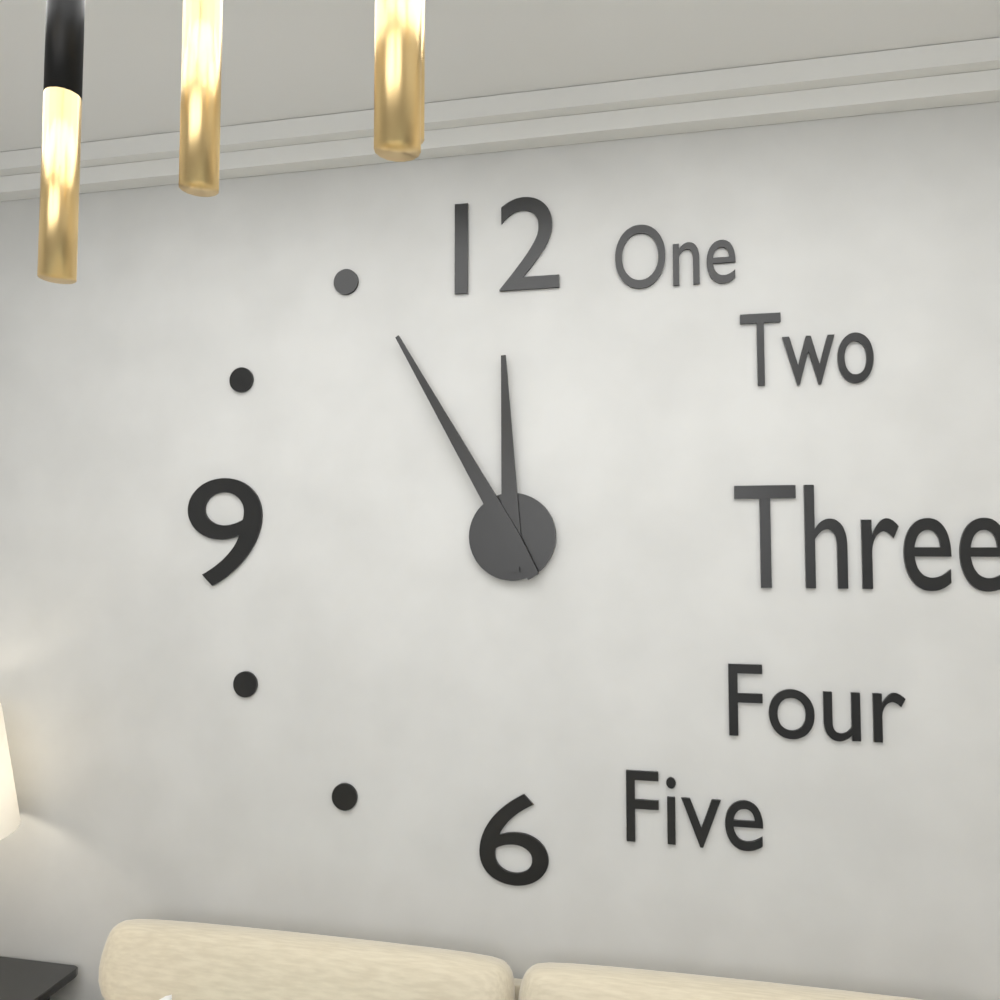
11 h 55 min
